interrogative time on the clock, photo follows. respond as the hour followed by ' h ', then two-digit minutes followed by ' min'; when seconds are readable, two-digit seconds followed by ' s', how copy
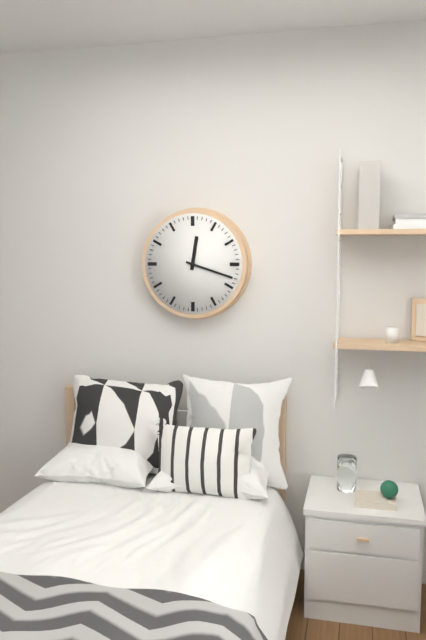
12 h 18 min
